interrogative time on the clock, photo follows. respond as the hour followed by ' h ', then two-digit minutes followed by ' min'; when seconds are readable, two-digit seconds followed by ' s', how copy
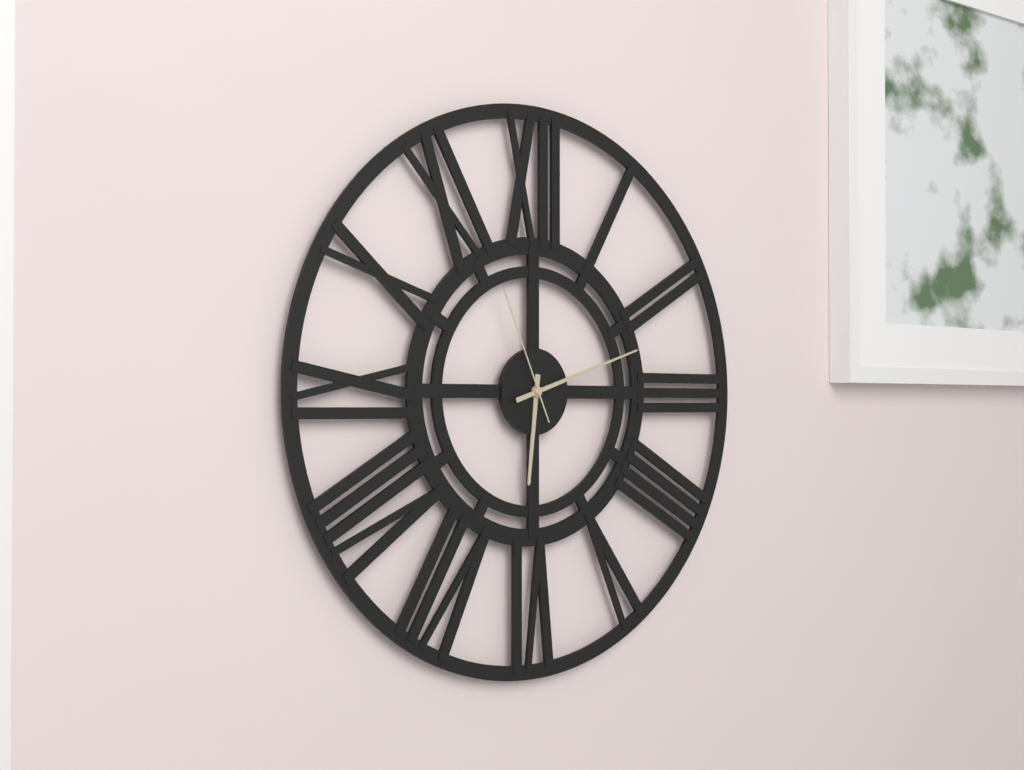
6 h 12 min 56 s
